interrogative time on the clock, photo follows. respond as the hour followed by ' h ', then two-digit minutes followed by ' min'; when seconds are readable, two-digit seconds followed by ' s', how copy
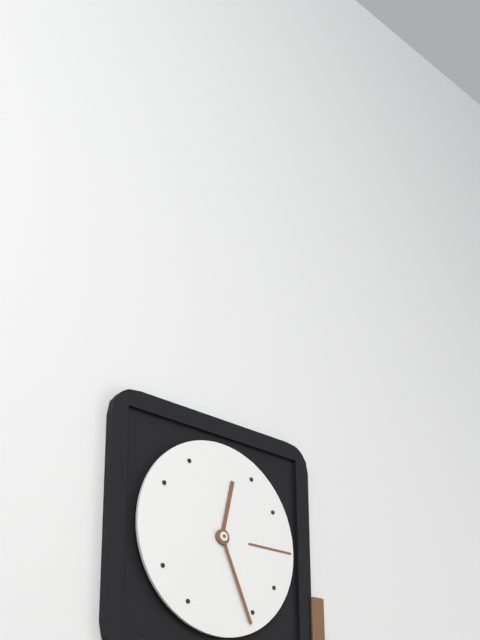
12 h 26 min
